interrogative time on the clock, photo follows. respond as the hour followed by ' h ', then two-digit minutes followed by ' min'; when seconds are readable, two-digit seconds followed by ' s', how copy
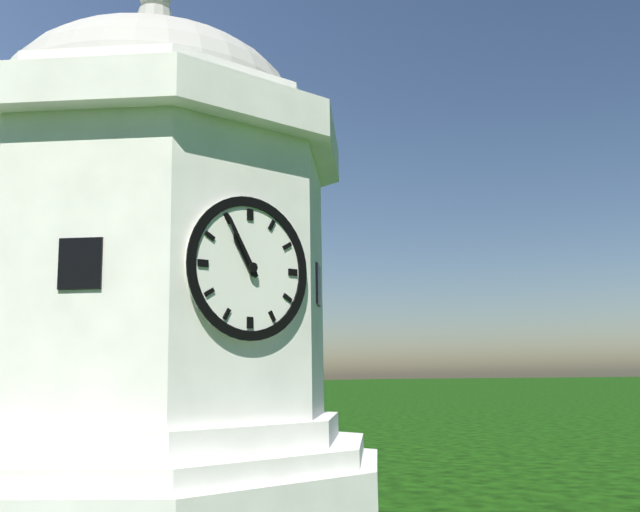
10 h 55 min
